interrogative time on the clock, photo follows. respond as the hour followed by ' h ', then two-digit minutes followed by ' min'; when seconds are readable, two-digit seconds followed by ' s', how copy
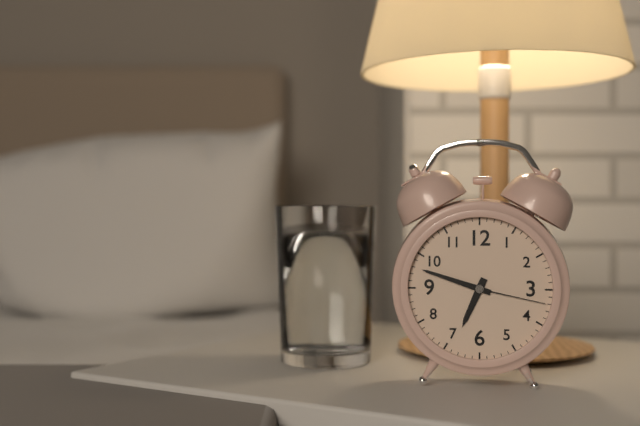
6 h 48 min 17 s
